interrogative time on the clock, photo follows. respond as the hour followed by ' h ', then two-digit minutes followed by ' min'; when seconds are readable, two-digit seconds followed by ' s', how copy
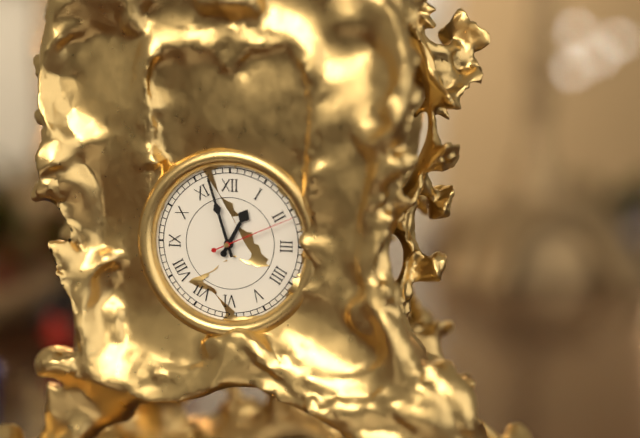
12 h 57 min 11 s
